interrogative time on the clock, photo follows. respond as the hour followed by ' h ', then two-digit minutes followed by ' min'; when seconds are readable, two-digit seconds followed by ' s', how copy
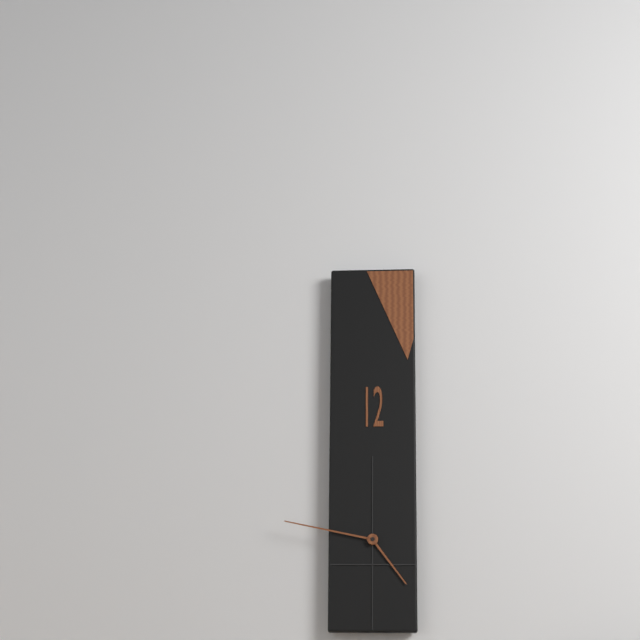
4 h 47 min
